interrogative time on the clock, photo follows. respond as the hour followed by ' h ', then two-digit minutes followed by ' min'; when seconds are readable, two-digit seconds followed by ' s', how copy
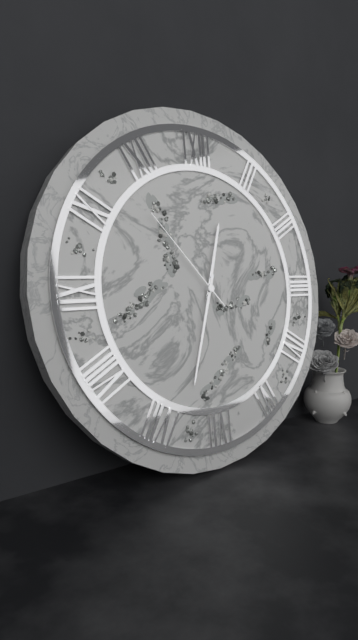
12 h 33 min 53 s
